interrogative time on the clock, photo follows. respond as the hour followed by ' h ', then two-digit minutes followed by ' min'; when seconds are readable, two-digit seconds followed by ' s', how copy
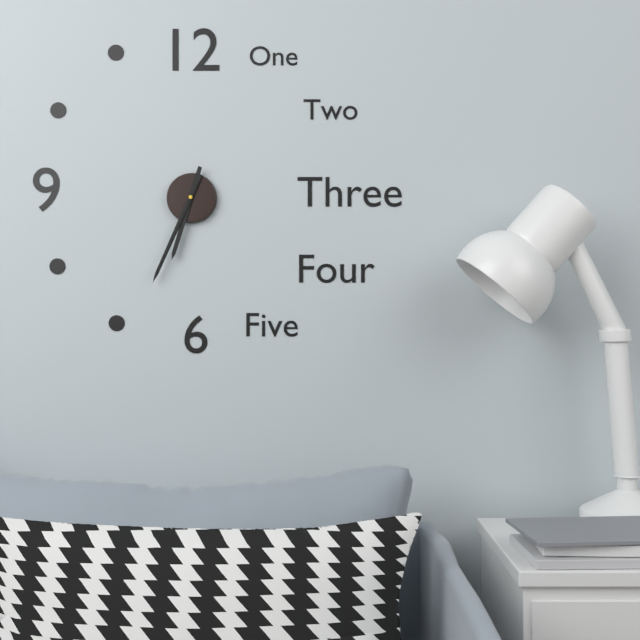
6 h 34 min 34 s
